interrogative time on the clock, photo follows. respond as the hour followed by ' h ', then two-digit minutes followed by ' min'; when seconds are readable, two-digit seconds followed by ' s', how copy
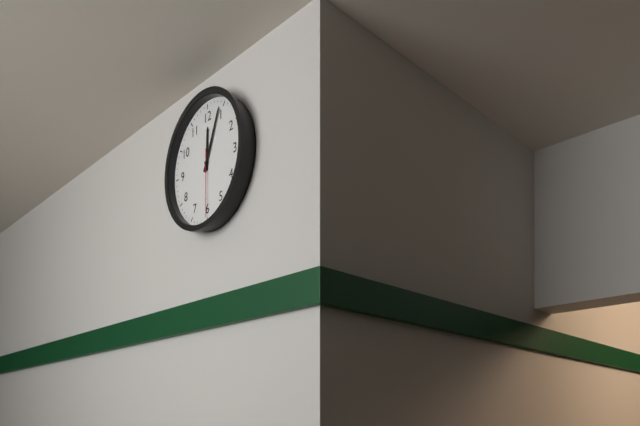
12 h 04 min 30 s
